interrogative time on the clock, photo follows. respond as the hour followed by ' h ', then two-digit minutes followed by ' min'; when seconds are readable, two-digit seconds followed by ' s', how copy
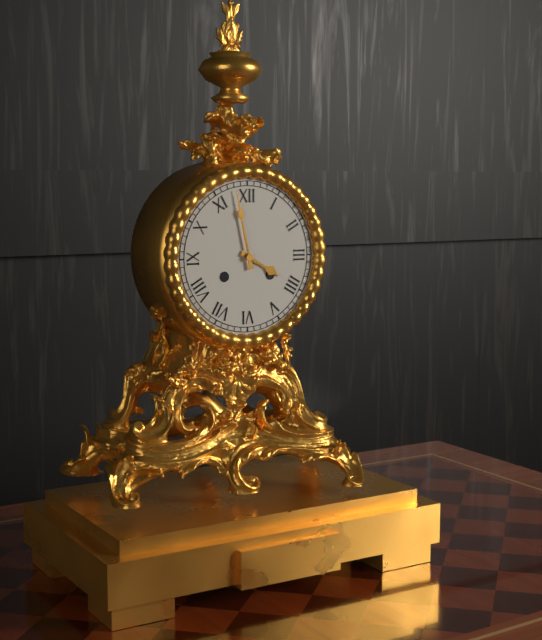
3 h 58 min
